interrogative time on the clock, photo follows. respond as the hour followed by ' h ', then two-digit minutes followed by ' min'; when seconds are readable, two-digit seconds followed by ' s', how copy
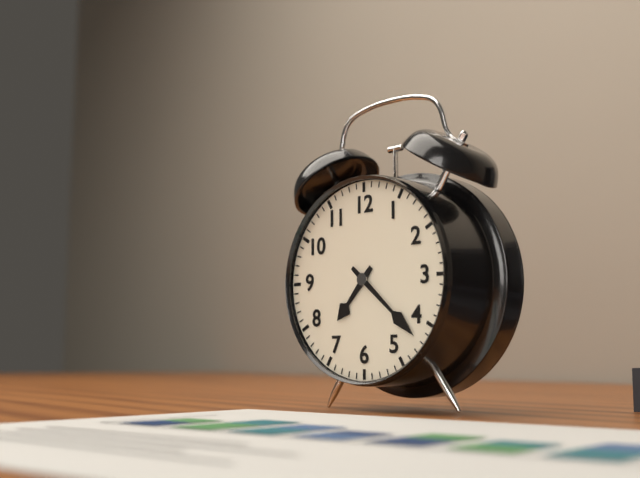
7 h 22 min
